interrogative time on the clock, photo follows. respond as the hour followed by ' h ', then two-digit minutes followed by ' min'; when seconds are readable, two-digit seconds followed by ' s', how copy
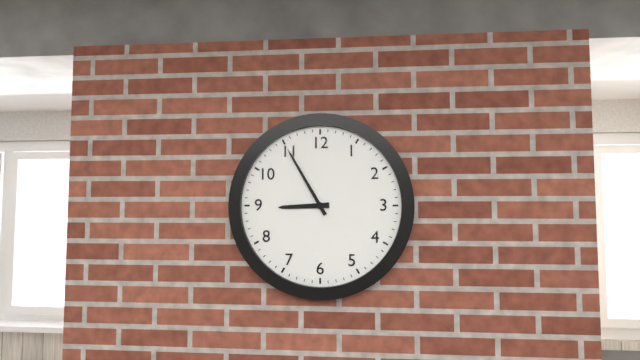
8 h 55 min
